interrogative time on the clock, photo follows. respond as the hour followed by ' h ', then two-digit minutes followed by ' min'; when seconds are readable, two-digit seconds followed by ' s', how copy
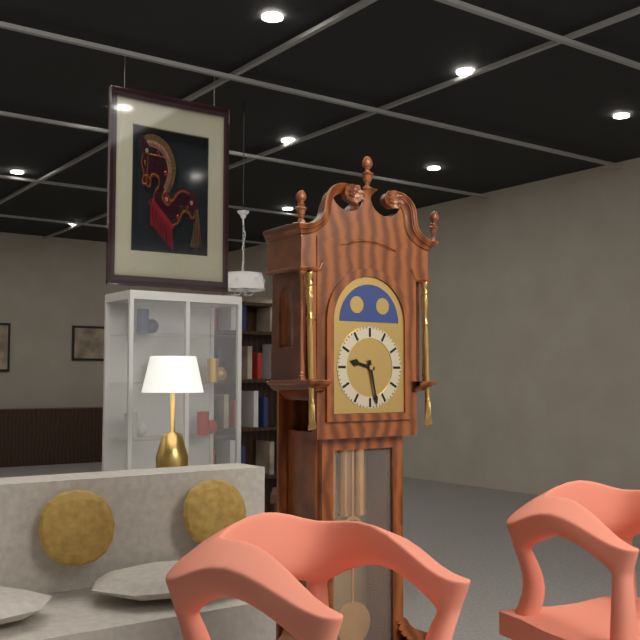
9 h 28 min
